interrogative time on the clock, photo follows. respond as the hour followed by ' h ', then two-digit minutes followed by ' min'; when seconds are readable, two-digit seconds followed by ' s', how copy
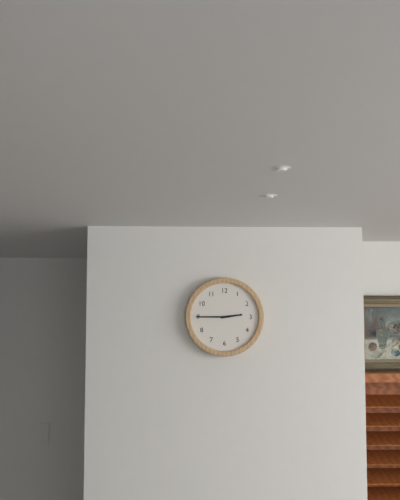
2 h 45 min
